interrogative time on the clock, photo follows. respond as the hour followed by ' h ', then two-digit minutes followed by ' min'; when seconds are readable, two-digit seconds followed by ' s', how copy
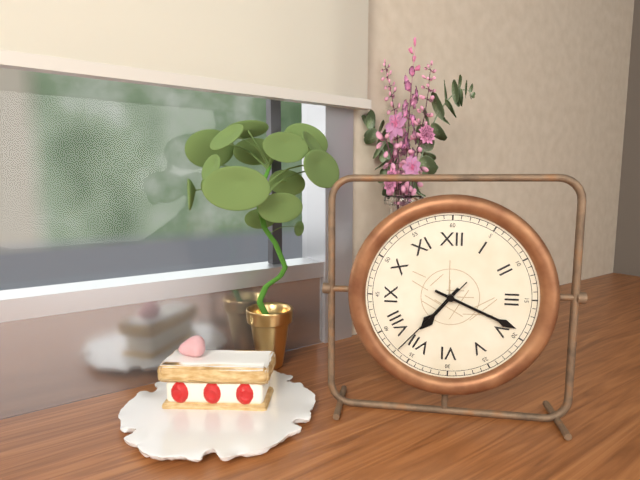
7 h 19 min 37 s
